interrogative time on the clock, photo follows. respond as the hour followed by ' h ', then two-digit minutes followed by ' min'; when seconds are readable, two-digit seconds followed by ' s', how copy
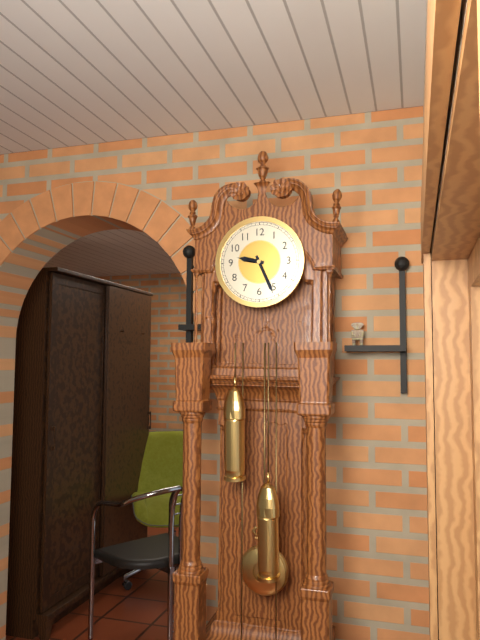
9 h 26 min
